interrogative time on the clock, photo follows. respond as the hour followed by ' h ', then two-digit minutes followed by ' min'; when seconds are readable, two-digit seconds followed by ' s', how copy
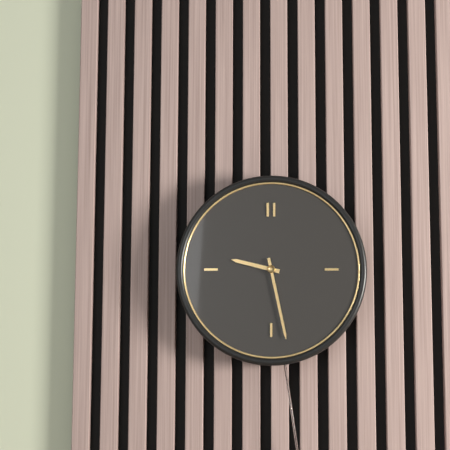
9 h 28 min
